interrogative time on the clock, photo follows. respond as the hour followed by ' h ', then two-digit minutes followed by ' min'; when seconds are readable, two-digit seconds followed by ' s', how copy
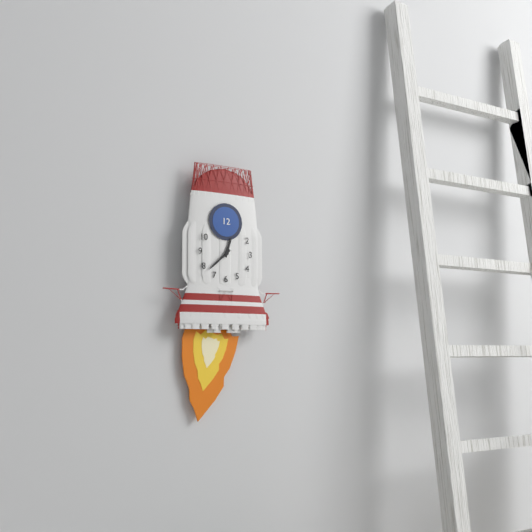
12 h 38 min
